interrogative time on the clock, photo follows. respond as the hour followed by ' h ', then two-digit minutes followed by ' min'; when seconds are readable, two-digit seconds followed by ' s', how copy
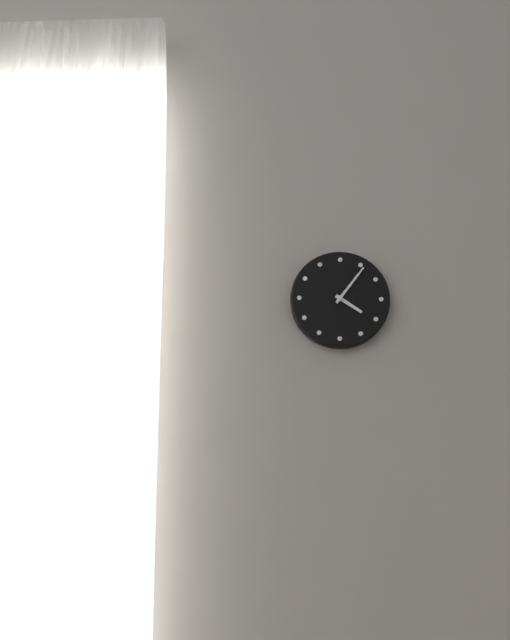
4 h 06 min
